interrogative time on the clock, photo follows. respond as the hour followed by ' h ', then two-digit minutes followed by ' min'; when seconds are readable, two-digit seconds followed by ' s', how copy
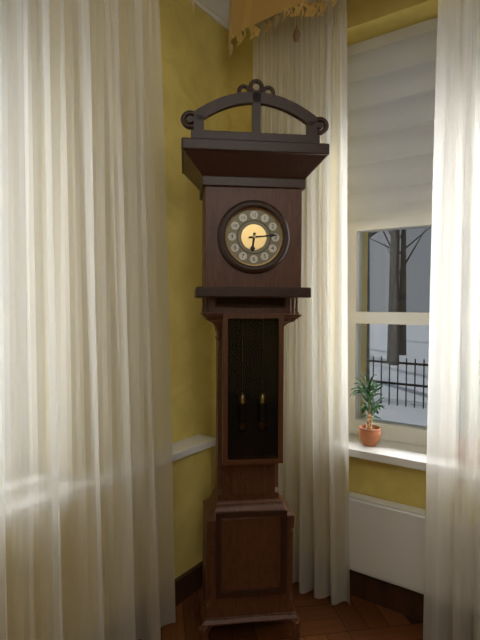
6 h 14 min
